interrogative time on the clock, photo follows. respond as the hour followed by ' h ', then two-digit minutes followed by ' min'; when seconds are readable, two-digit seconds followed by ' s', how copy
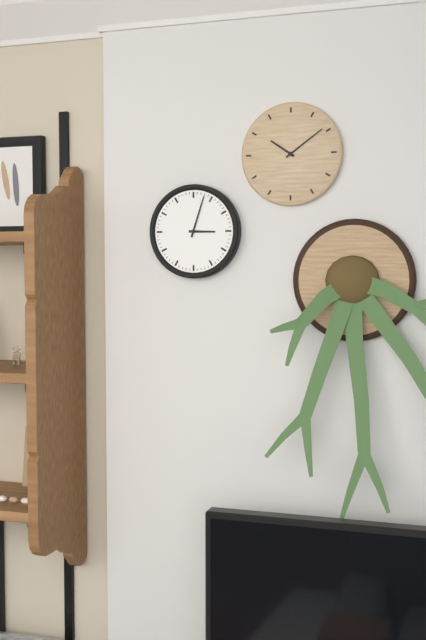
3 h 03 min
